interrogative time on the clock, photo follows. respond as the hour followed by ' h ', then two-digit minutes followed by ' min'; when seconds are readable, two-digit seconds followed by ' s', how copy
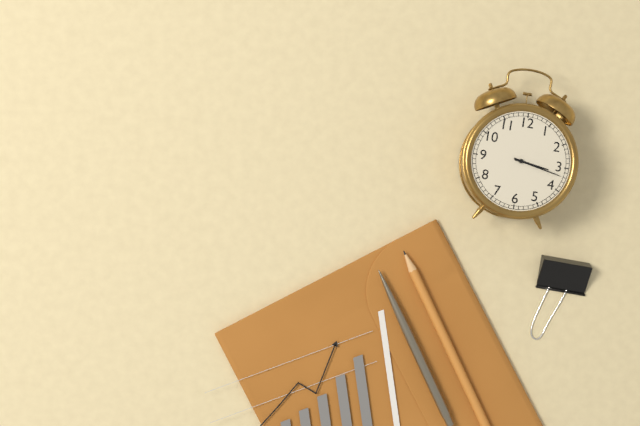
3 h 17 min
